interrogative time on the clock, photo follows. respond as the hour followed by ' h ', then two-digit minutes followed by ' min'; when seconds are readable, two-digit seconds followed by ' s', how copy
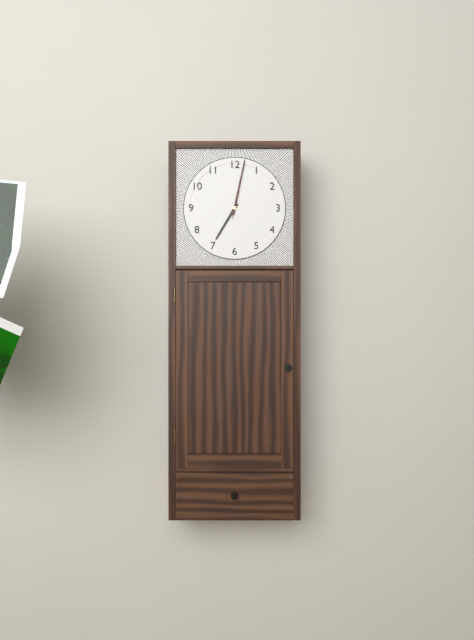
7 h 02 min 02 s
